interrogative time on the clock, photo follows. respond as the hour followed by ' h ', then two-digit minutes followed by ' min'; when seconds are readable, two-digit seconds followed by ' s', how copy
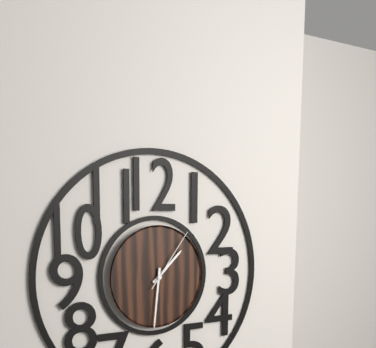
1 h 31 min 06 s
